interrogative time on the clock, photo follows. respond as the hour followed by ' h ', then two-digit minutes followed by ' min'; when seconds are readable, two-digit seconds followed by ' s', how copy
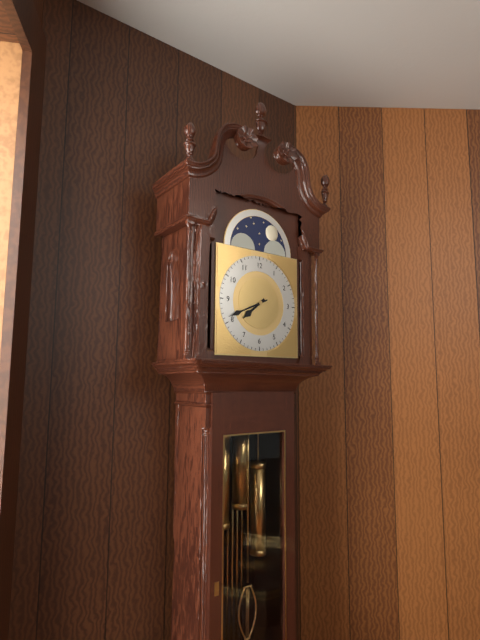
7 h 41 min
